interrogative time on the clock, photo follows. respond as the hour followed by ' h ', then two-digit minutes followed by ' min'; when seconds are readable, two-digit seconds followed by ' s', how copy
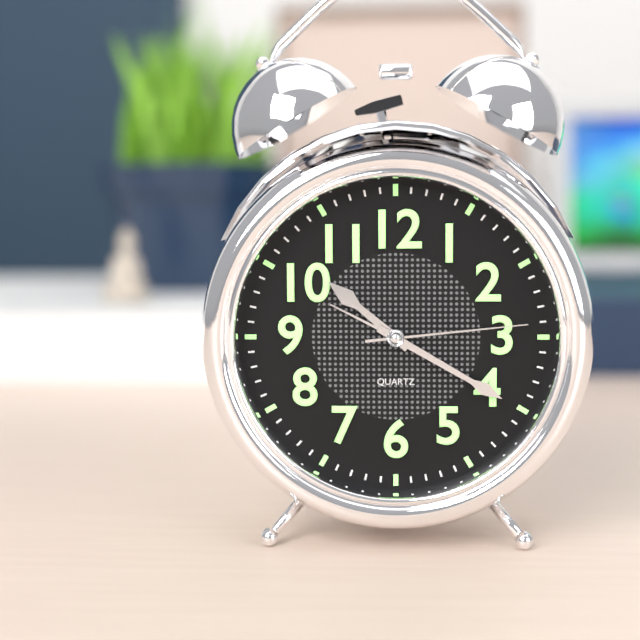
10 h 20 min 14 s
